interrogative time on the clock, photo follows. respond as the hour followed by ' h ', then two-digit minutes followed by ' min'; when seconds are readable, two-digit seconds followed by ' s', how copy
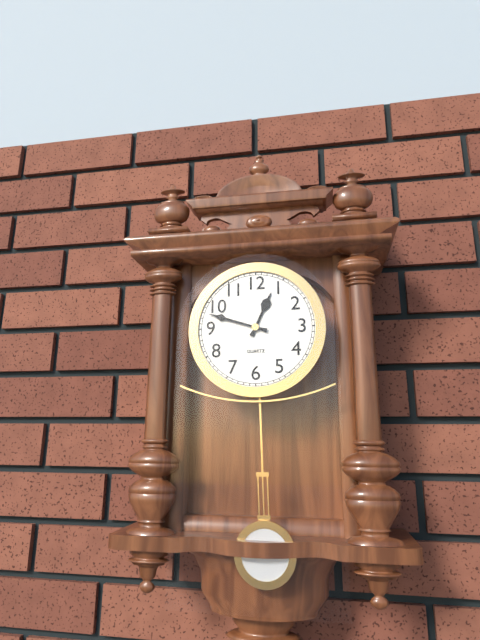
12 h 48 min
